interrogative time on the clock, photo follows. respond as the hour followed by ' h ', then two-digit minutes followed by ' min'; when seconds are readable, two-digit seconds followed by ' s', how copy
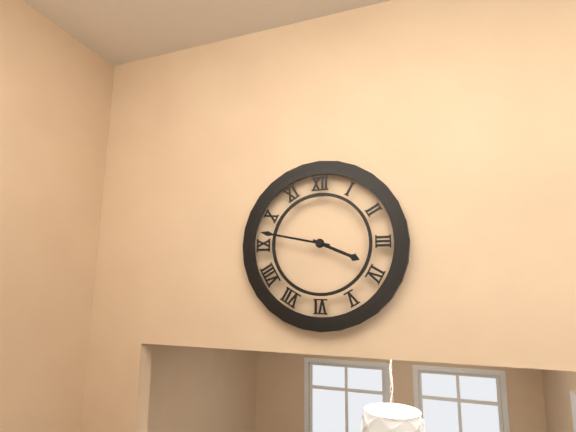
3 h 47 min
